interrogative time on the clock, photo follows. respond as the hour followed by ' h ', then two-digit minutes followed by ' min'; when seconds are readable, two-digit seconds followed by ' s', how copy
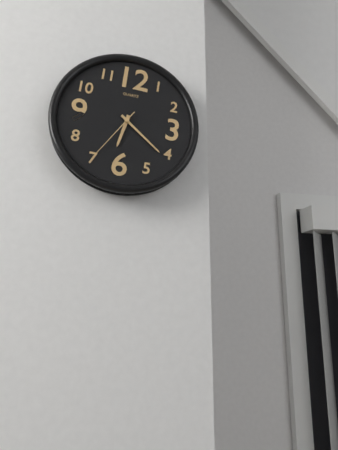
6 h 21 min 35 s
